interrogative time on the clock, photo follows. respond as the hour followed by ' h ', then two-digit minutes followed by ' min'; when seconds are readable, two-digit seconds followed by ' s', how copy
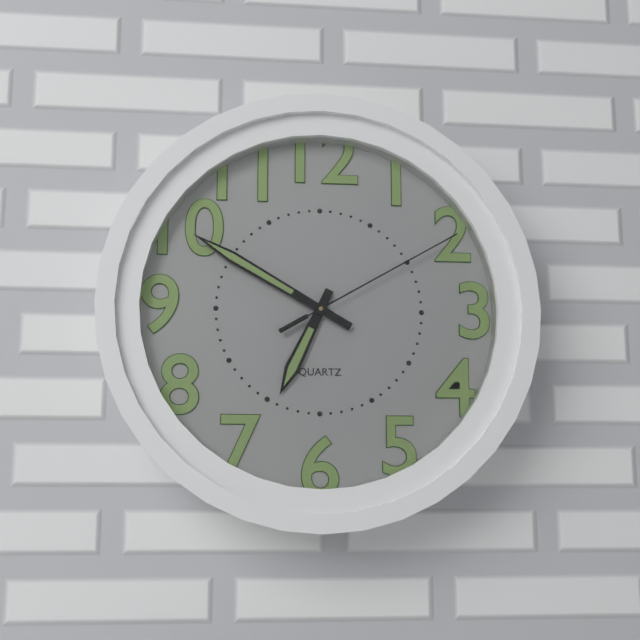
6 h 50 min 10 s
